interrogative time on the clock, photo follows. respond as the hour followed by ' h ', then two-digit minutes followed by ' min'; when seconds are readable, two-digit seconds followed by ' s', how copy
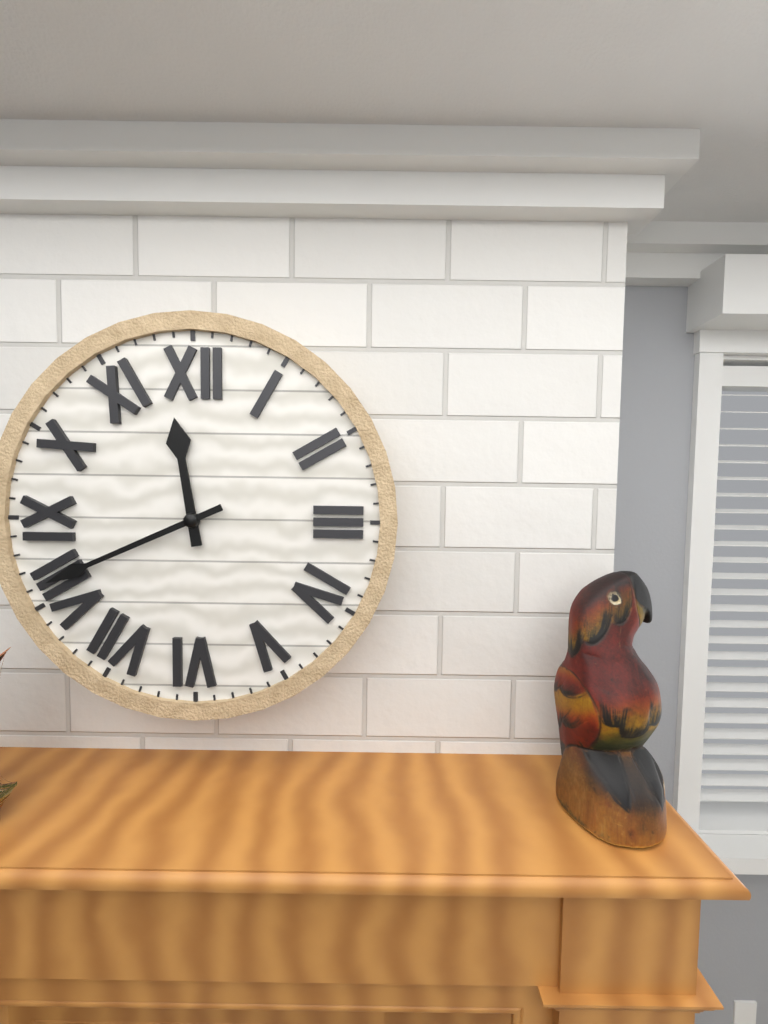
11 h 41 min
